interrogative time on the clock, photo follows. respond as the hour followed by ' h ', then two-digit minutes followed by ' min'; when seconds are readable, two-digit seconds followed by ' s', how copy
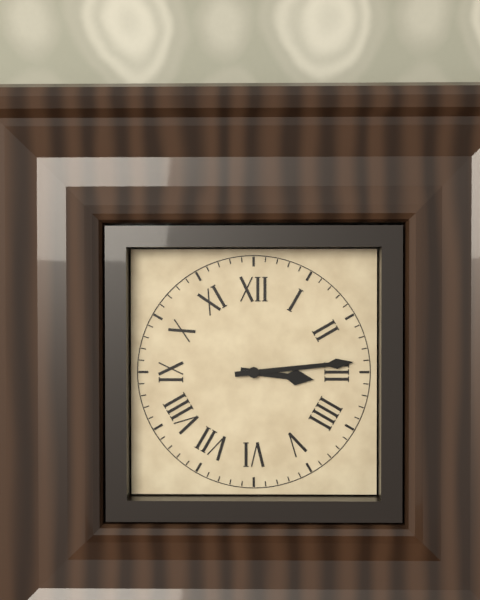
3 h 14 min
